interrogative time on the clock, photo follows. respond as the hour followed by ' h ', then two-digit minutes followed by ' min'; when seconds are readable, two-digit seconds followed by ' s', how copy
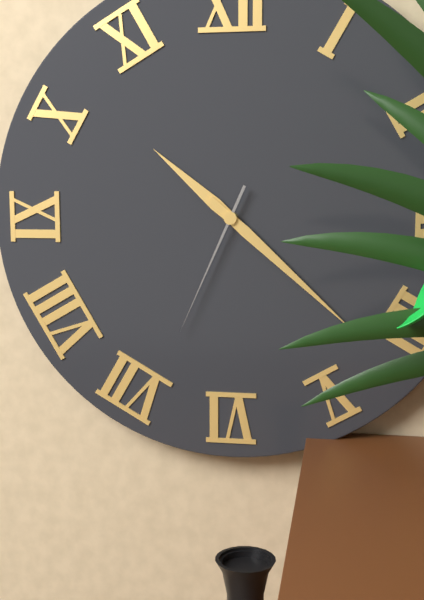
10 h 22 min 34 s
